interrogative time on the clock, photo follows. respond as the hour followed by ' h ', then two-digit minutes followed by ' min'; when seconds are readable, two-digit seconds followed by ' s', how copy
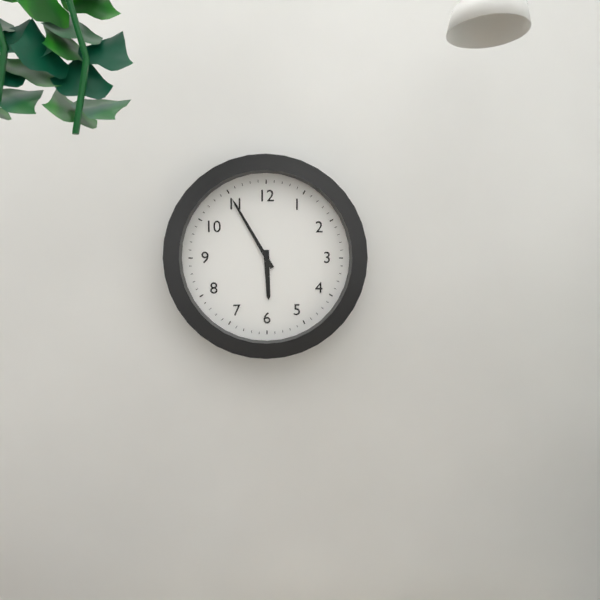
5 h 55 min
